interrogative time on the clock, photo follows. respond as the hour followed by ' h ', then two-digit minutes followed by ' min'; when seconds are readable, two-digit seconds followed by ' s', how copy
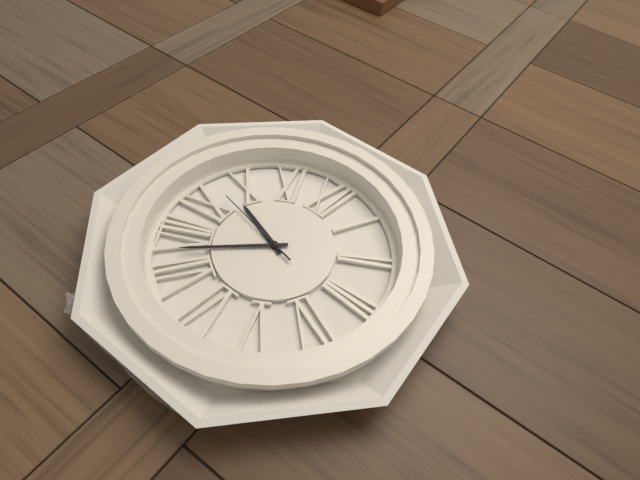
9 h 38 min 47 s
